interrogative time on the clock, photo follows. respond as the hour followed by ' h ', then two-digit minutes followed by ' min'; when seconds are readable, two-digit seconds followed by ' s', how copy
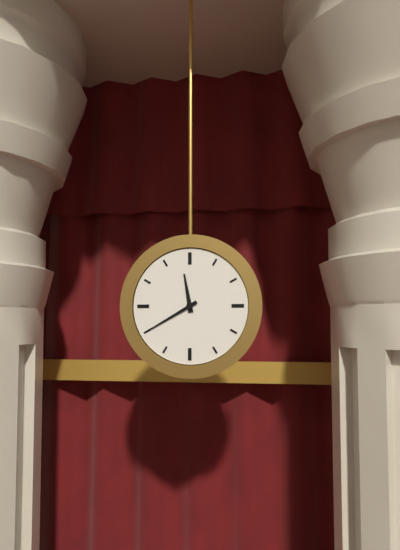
11 h 40 min
